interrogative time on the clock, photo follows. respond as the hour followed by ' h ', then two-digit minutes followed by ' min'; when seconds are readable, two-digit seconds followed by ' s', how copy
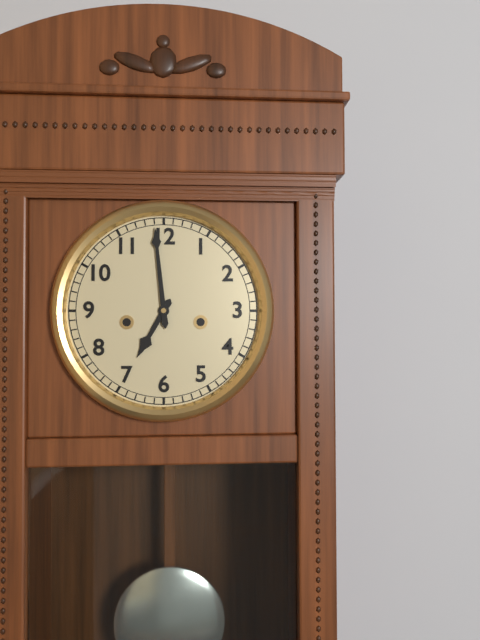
6 h 59 min
